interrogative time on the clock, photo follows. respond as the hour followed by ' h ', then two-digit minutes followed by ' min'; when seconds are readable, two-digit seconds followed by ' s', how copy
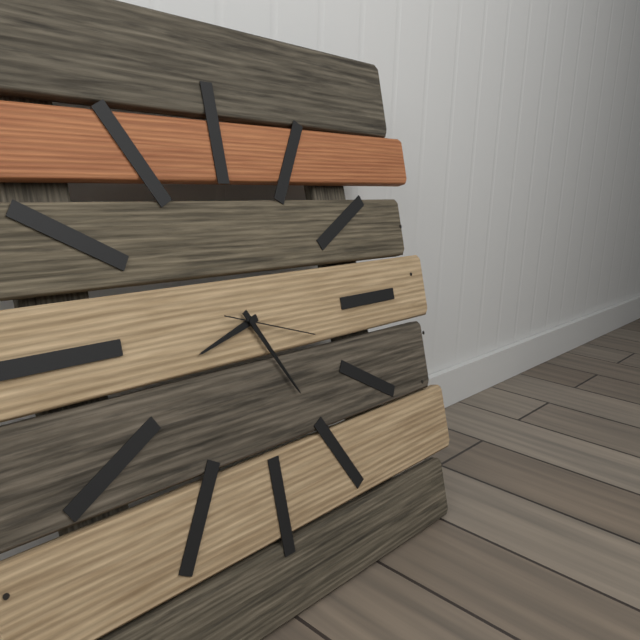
8 h 25 min 18 s
